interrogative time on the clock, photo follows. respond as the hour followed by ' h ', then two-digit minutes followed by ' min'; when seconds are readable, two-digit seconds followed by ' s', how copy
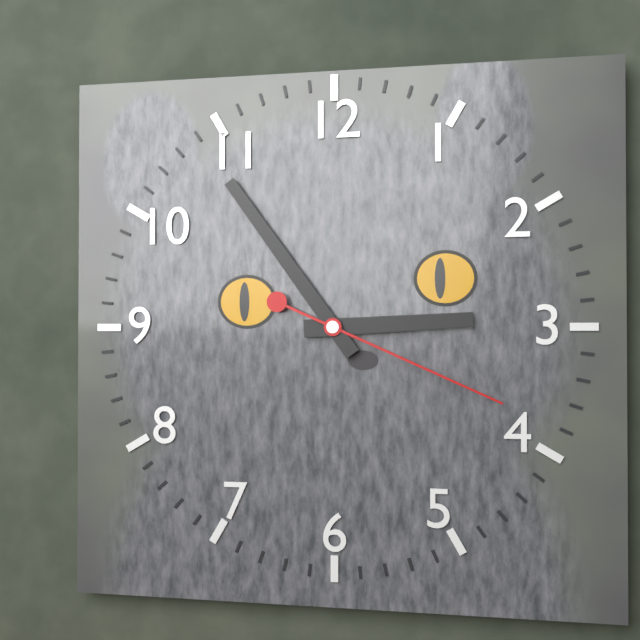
2 h 54 min 19 s
